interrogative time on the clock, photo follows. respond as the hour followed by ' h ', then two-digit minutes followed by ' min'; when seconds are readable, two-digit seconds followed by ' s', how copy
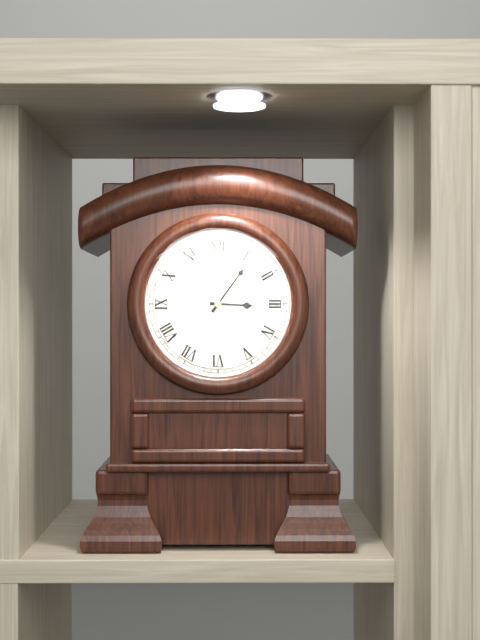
3 h 06 min
